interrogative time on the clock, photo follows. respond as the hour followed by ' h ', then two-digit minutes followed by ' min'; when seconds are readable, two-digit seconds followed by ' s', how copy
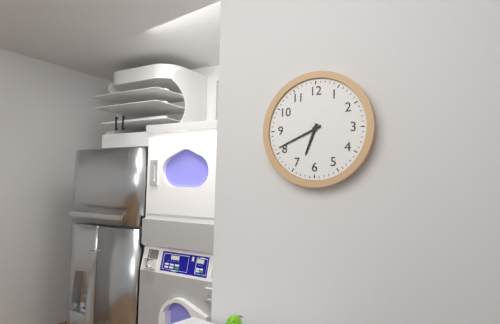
6 h 41 min
